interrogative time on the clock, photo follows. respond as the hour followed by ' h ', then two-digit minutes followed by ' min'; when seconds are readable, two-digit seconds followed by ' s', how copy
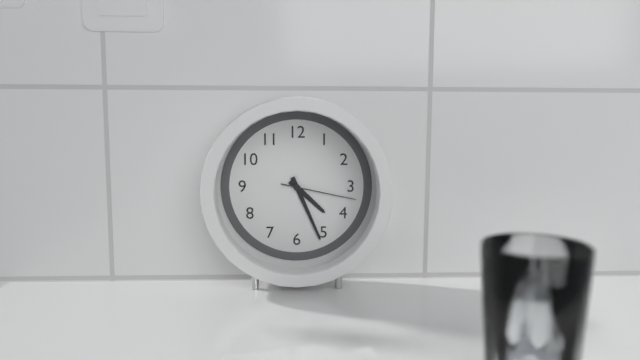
4 h 26 min 17 s
